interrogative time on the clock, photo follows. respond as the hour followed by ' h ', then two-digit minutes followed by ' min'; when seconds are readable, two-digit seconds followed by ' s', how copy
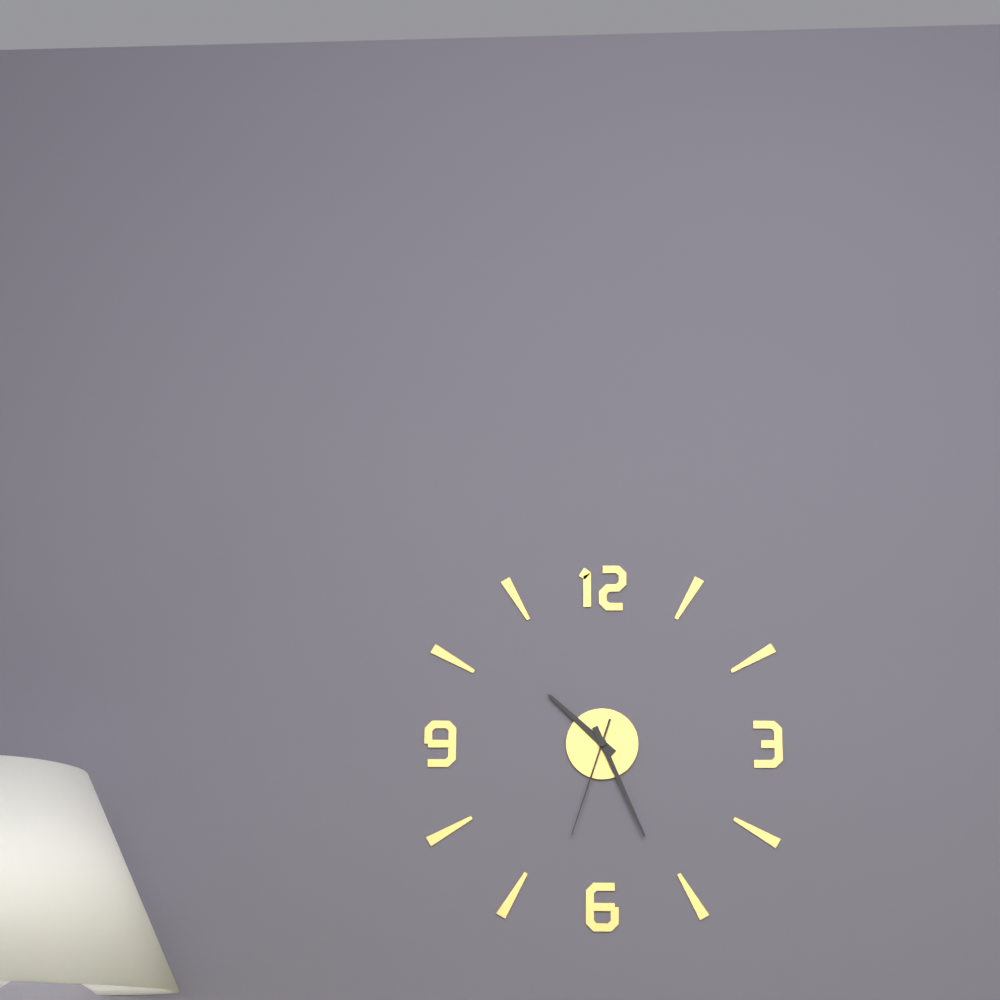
10 h 26 min 33 s
